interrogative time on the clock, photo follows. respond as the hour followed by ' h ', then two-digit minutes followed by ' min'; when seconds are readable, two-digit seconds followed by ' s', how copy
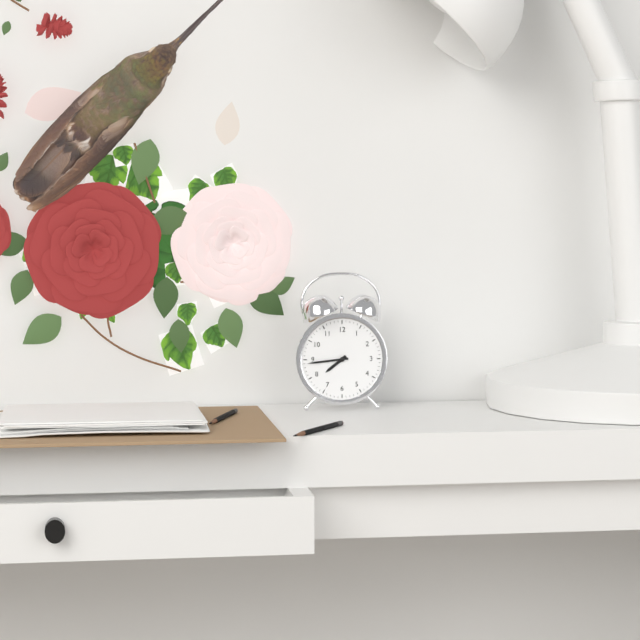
7 h 44 min
